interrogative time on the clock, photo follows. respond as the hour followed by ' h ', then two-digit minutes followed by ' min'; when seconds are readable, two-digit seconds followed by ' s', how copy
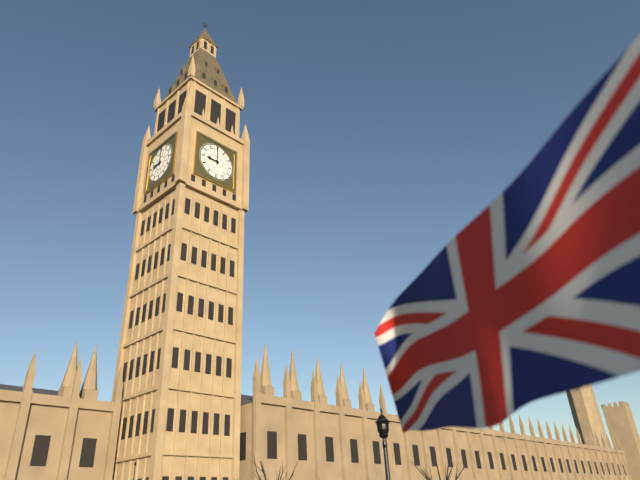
9 h 00 min
